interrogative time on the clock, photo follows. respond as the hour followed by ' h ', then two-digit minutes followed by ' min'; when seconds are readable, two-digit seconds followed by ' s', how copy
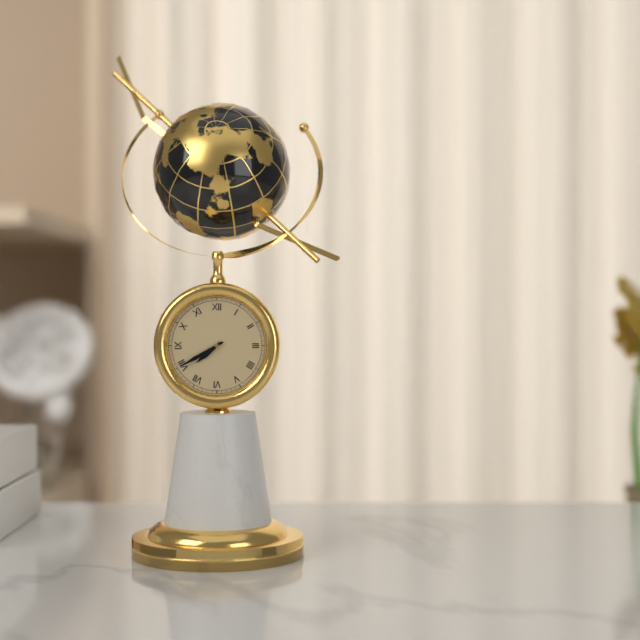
7 h 40 min
